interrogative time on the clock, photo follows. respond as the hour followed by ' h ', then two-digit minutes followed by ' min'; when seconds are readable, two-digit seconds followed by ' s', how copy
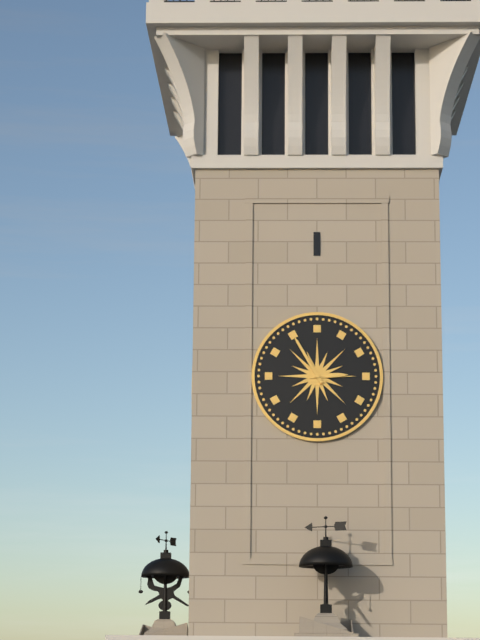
2 h 55 min
